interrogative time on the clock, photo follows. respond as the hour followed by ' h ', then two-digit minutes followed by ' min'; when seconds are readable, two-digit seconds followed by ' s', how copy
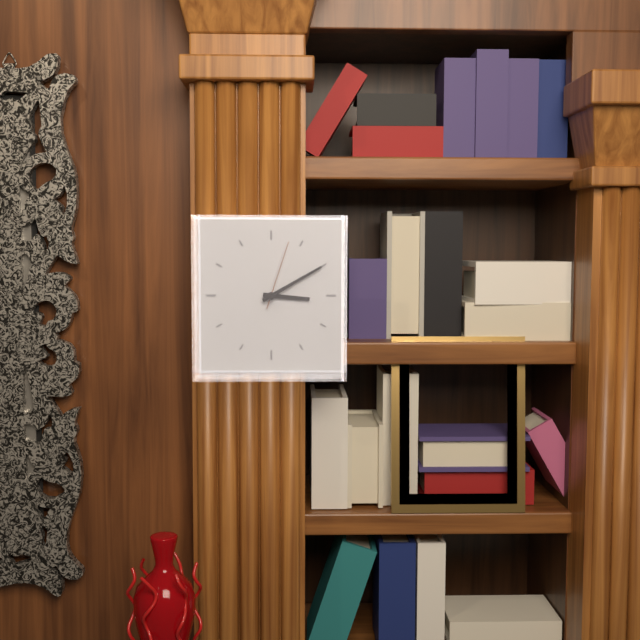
3 h 10 min 03 s
